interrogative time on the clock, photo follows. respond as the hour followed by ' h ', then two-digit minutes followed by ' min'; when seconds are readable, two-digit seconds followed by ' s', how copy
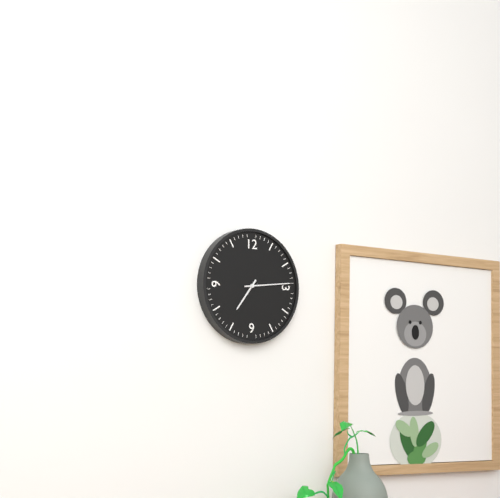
7 h 14 min
